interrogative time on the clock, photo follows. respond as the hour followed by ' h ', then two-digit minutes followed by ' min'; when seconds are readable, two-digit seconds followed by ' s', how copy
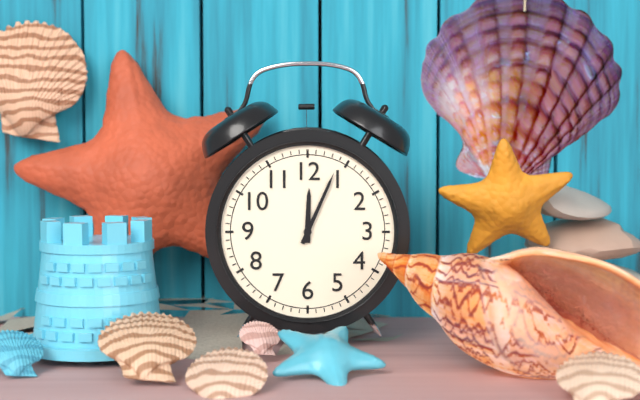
12 h 04 min
